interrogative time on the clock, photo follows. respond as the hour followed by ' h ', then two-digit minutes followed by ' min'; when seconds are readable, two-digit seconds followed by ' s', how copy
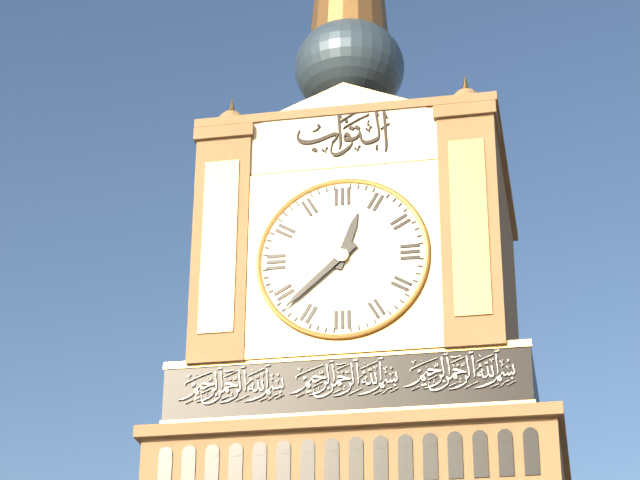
12 h 38 min
